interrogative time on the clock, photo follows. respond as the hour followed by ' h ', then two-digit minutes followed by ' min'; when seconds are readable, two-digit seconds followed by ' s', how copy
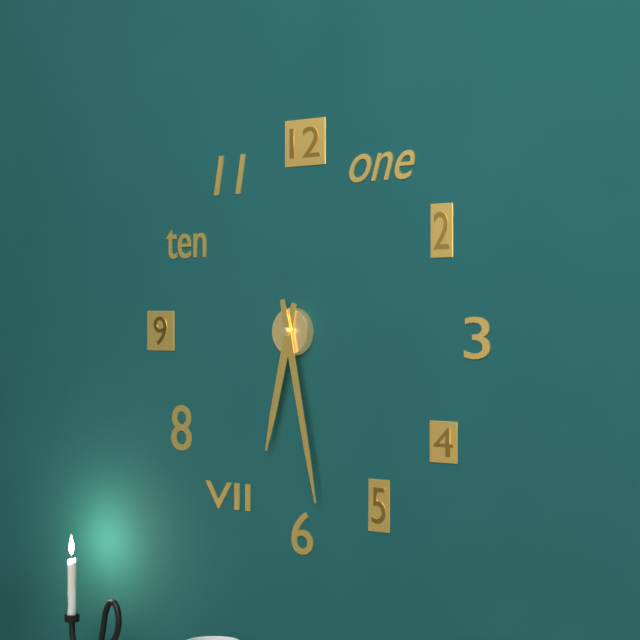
6 h 28 min
